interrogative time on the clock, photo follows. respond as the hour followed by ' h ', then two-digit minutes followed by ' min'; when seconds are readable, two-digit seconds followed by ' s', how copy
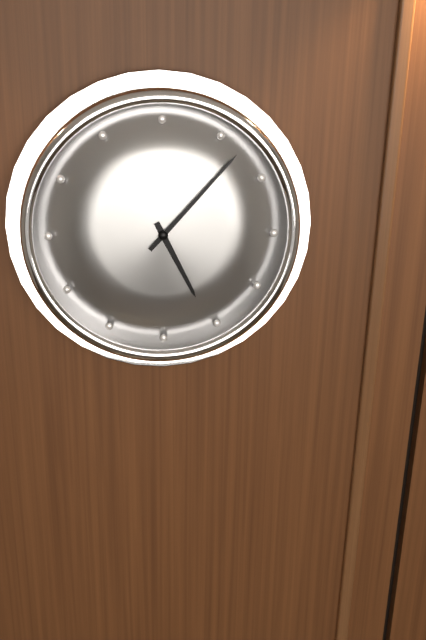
5 h 07 min
